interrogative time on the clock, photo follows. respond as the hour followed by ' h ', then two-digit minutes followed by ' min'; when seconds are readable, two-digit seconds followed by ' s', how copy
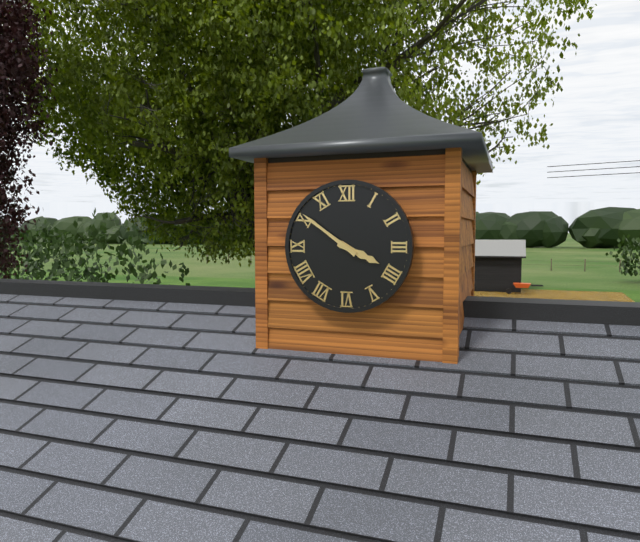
3 h 51 min
